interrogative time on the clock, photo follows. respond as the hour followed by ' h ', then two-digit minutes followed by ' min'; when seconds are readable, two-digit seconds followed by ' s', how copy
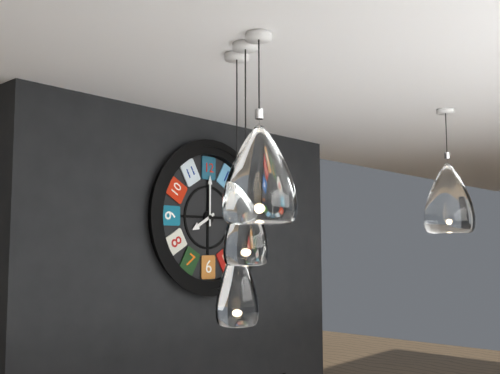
8 h 00 min
